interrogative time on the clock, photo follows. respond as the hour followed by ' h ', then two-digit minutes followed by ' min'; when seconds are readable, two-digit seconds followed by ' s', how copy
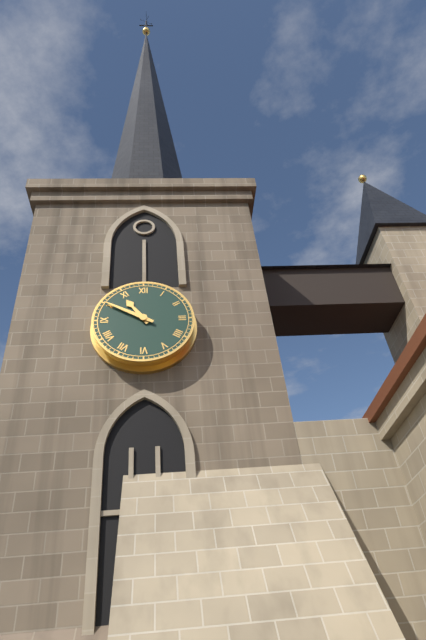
10 h 50 min
